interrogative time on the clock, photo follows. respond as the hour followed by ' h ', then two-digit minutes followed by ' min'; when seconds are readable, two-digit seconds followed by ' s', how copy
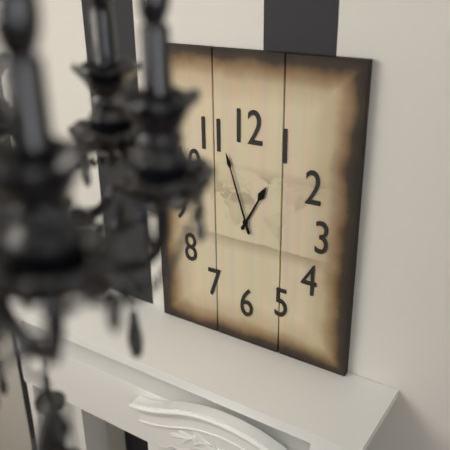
12 h 57 min
